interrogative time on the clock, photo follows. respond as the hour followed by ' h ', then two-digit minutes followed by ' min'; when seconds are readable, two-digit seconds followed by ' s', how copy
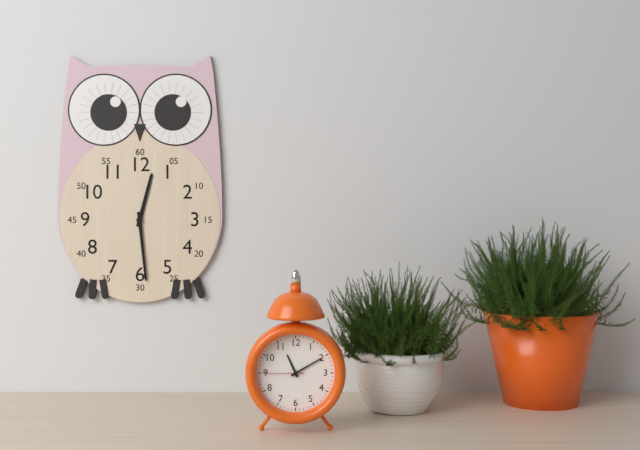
12 h 29 min
